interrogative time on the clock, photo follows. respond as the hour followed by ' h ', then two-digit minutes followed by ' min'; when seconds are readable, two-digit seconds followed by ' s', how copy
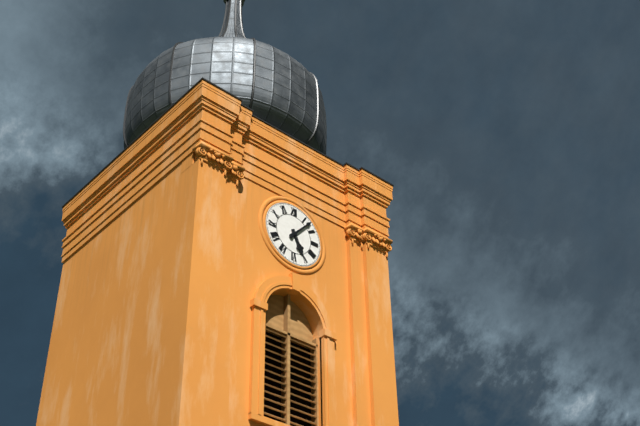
5 h 07 min
